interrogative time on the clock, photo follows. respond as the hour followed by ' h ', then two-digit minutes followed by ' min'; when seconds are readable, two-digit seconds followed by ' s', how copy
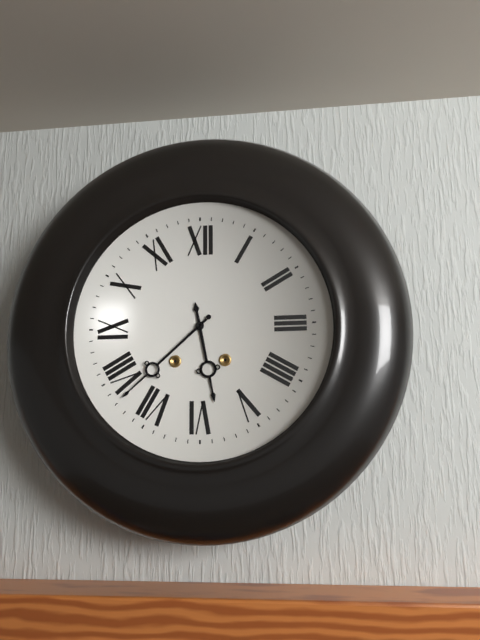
5 h 38 min
